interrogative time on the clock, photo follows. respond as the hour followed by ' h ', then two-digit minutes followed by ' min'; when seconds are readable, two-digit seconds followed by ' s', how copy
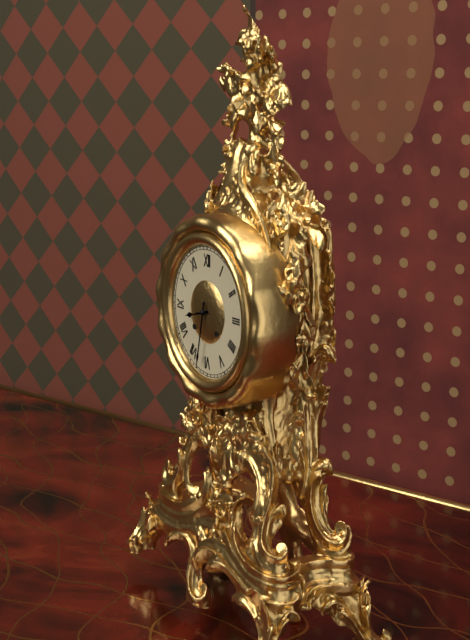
8 h 32 min
